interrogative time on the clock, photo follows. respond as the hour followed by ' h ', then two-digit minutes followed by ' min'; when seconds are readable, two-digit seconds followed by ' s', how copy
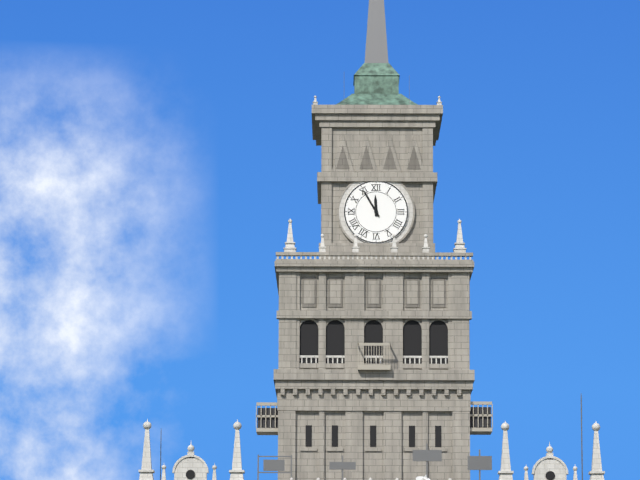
11 h 55 min
